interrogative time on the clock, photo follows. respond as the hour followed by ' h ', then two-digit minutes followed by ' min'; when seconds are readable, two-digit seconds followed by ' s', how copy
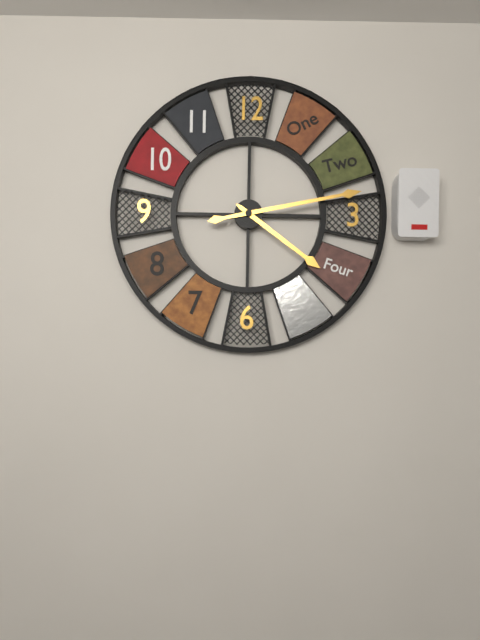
4 h 13 min
